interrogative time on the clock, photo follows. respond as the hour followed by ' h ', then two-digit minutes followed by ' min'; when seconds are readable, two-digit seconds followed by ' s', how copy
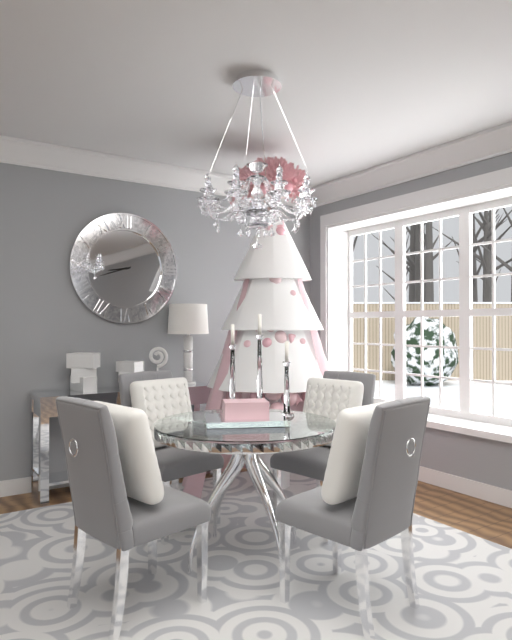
8 h 42 min
